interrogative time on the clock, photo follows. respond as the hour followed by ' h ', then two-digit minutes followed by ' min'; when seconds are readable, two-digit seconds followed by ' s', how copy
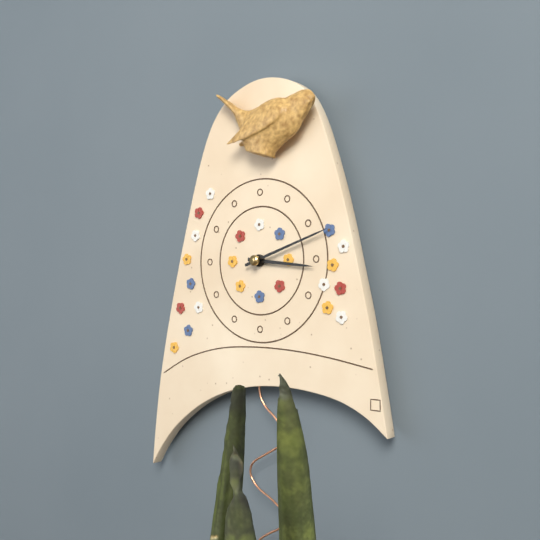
3 h 12 min
